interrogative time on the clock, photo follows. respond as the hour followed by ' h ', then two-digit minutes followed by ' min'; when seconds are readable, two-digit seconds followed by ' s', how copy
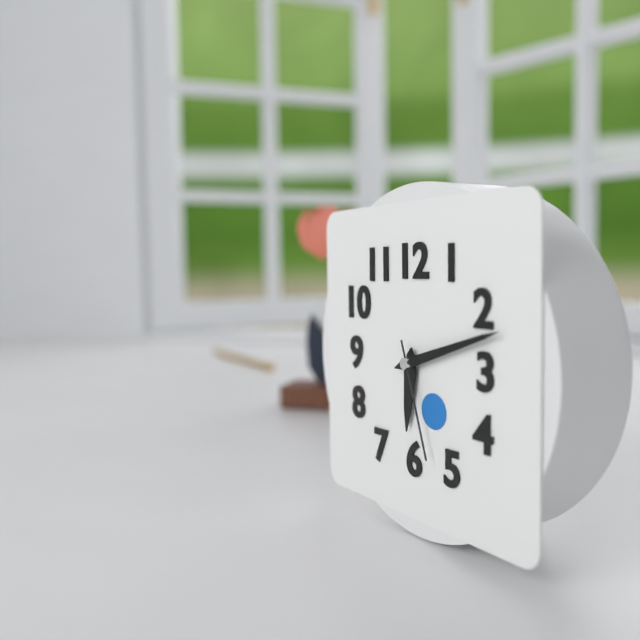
6 h 12 min 27 s
